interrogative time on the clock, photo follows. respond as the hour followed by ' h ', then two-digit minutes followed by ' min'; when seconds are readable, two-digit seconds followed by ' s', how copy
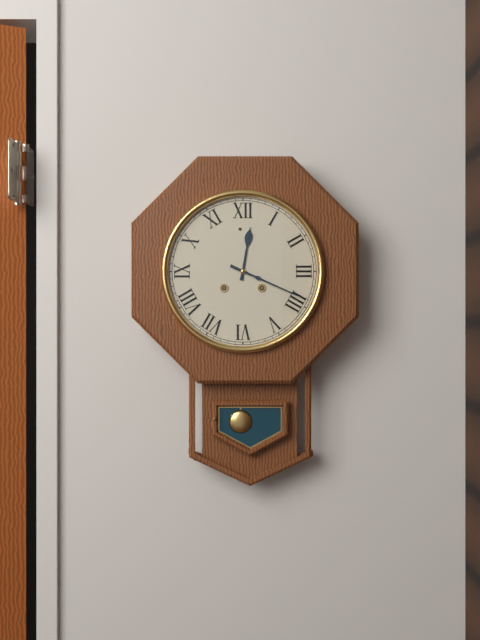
12 h 19 min
